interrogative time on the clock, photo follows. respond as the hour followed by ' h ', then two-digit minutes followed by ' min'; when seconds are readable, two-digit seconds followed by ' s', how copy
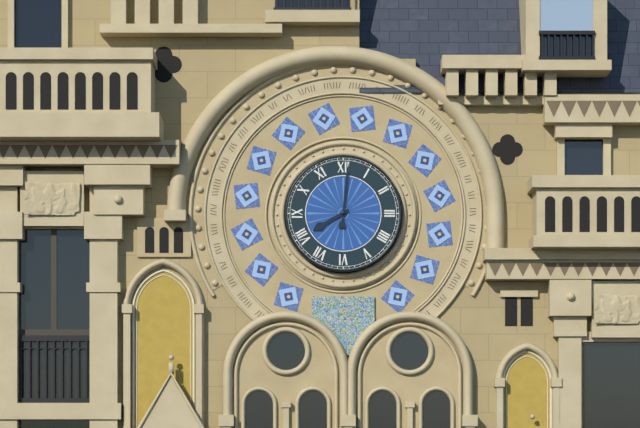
8 h 01 min
